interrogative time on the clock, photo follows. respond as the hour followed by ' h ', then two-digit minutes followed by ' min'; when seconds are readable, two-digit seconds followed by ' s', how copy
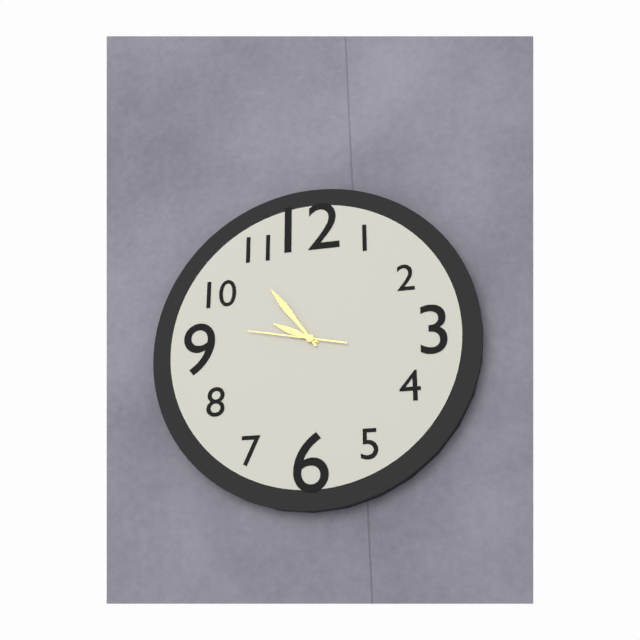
9 h 54 min 47 s
